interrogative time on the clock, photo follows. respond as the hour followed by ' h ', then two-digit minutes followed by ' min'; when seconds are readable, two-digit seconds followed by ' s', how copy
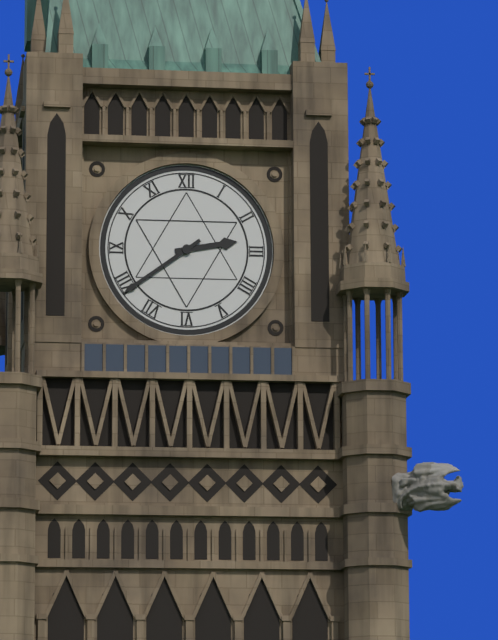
2 h 39 min
